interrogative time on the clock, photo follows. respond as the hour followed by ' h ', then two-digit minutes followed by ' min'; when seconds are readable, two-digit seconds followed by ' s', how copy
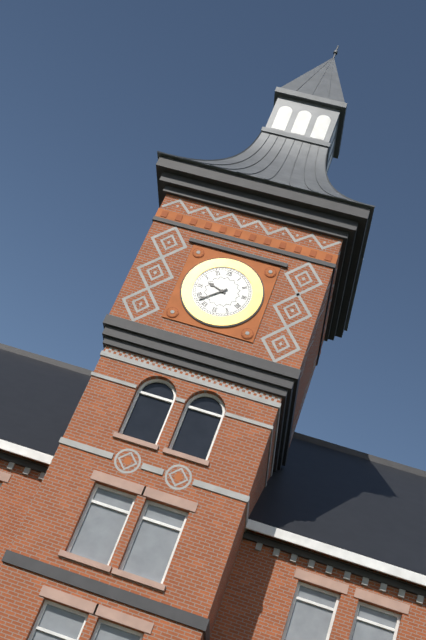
9 h 38 min
